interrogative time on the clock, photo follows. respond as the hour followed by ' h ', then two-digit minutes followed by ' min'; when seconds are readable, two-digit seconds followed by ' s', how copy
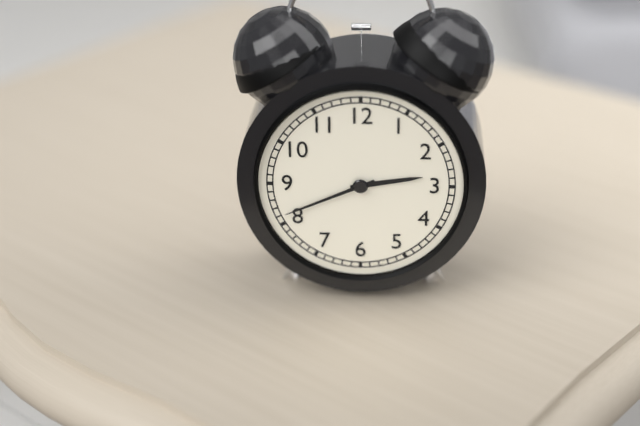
2 h 41 min
